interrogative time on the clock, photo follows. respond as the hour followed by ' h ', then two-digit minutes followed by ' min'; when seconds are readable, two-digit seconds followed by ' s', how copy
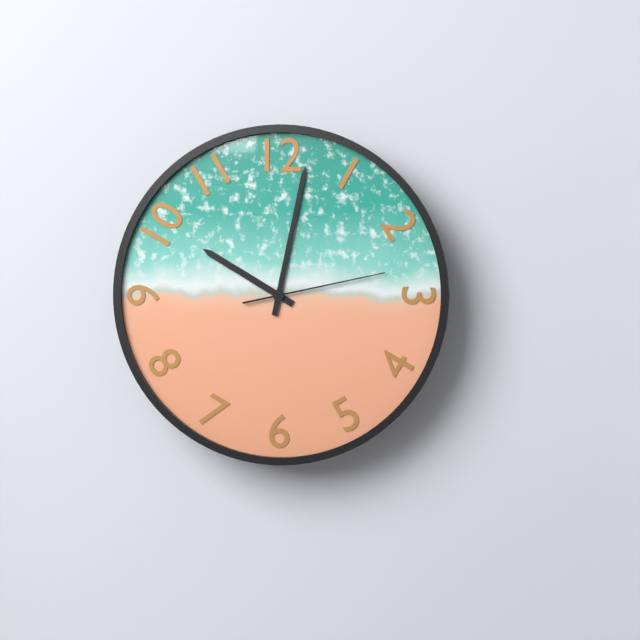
10 h 02 min 13 s
